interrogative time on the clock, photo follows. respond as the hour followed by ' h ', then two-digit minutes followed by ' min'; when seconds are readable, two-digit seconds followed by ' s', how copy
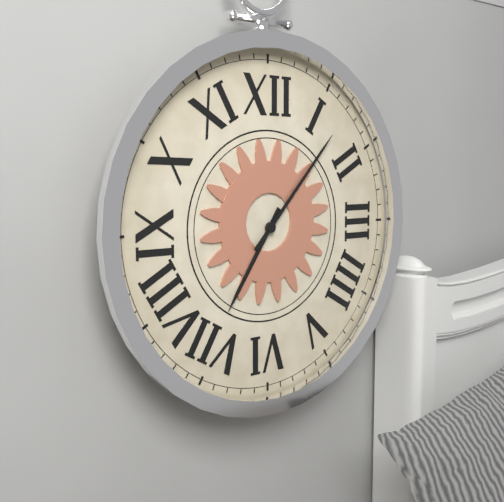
7 h 07 min
